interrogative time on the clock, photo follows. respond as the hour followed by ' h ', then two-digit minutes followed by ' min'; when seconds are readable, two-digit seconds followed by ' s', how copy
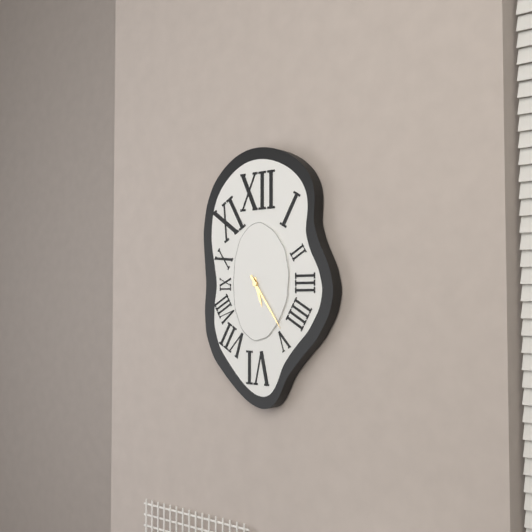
5 h 24 min
